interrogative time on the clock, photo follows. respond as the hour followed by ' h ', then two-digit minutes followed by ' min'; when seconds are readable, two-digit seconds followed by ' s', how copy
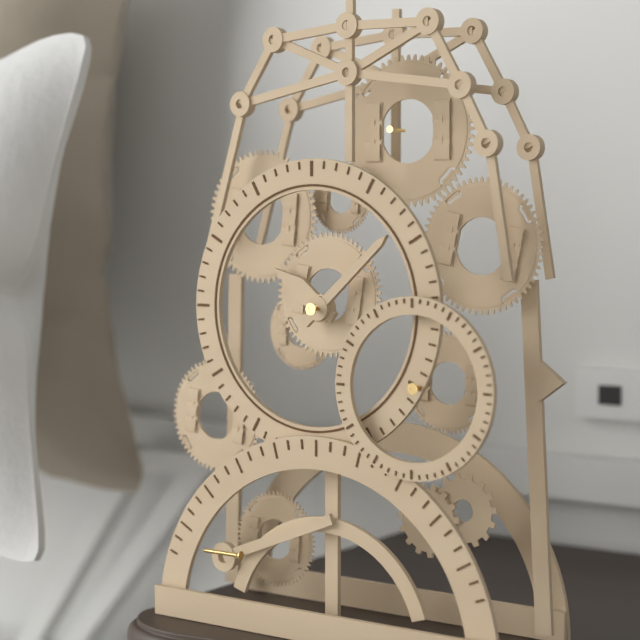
10 h 08 min
